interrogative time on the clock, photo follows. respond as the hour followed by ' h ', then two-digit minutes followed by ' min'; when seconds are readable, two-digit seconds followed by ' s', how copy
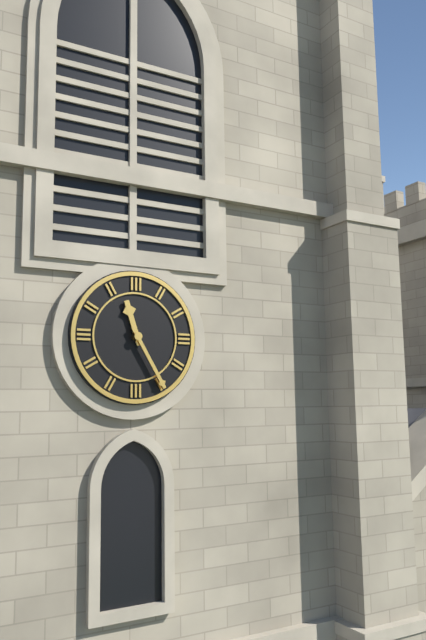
11 h 25 min
